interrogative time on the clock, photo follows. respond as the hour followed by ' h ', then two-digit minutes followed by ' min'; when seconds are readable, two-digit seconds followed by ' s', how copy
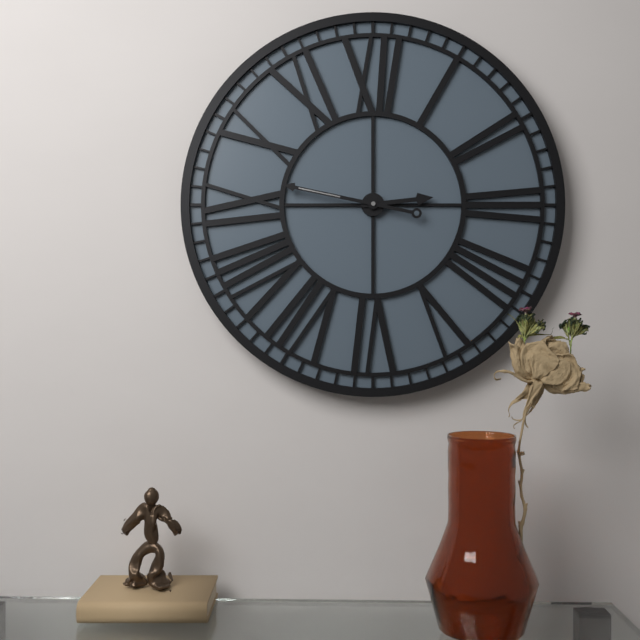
2 h 47 min
